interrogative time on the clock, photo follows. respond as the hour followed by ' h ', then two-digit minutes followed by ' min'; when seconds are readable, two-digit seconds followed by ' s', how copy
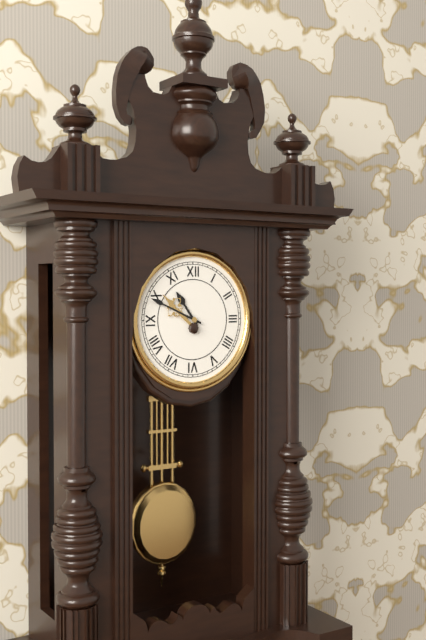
10 h 49 min
